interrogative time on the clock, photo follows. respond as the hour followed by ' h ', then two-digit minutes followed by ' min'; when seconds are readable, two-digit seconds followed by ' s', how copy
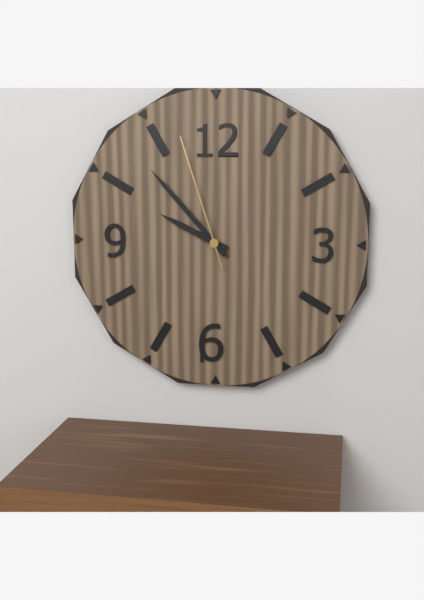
9 h 53 min 57 s
